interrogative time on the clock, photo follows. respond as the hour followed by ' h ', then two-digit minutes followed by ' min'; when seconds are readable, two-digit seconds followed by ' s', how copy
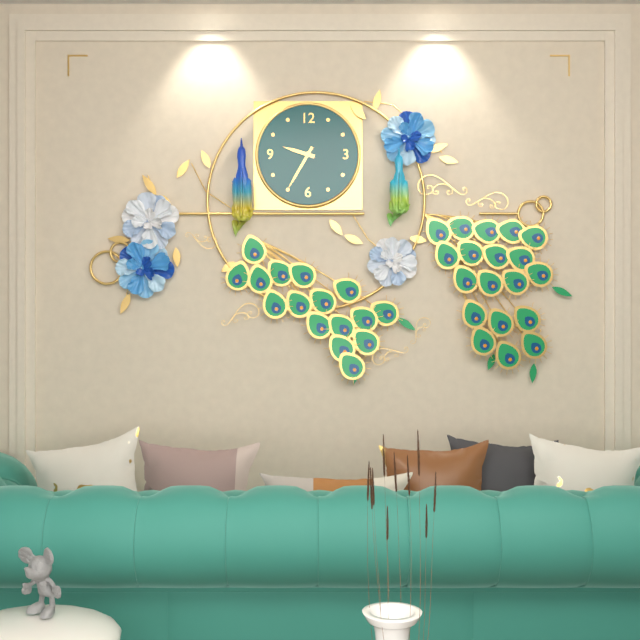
9 h 35 min
